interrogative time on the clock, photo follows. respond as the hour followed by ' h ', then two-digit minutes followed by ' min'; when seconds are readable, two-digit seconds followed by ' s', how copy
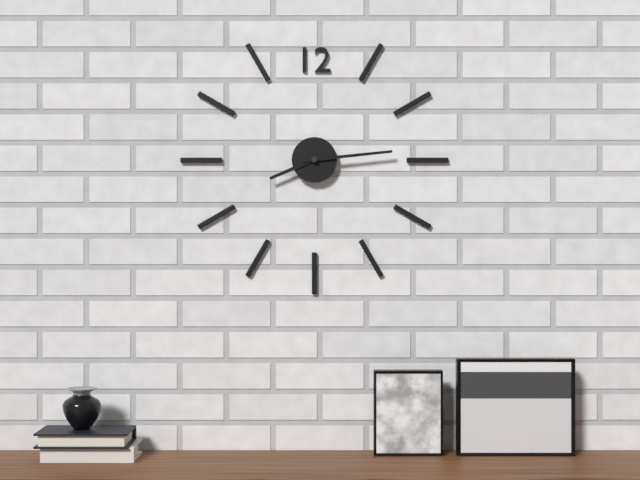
8 h 14 min
